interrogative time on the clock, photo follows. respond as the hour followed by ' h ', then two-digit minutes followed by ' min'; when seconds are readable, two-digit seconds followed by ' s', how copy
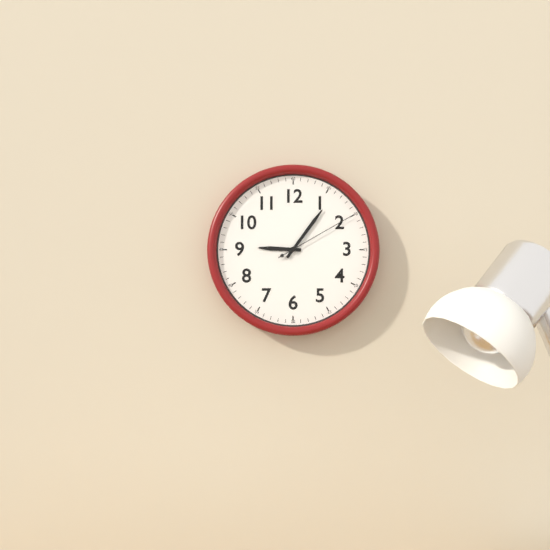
9 h 06 min 10 s
